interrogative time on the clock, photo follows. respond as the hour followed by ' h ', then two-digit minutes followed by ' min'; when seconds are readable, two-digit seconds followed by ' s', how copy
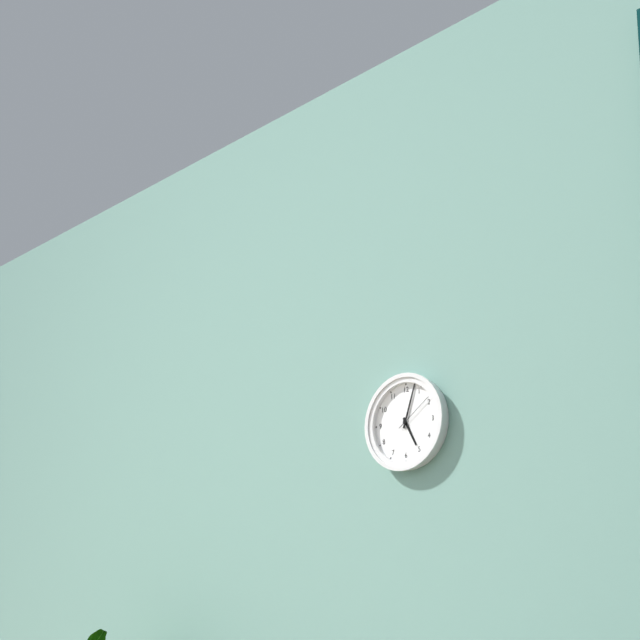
5 h 03 min
